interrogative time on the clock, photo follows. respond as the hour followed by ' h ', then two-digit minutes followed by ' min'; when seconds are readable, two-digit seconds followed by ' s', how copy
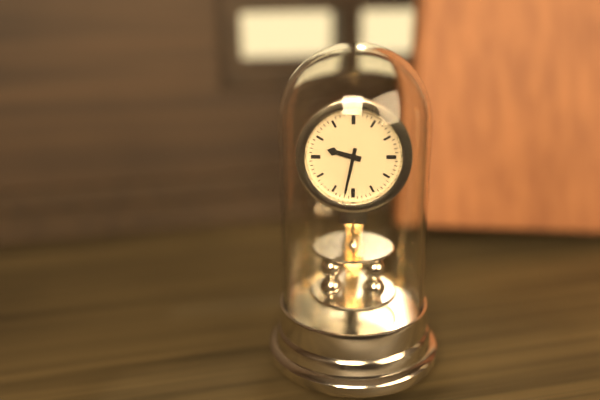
9 h 32 min
